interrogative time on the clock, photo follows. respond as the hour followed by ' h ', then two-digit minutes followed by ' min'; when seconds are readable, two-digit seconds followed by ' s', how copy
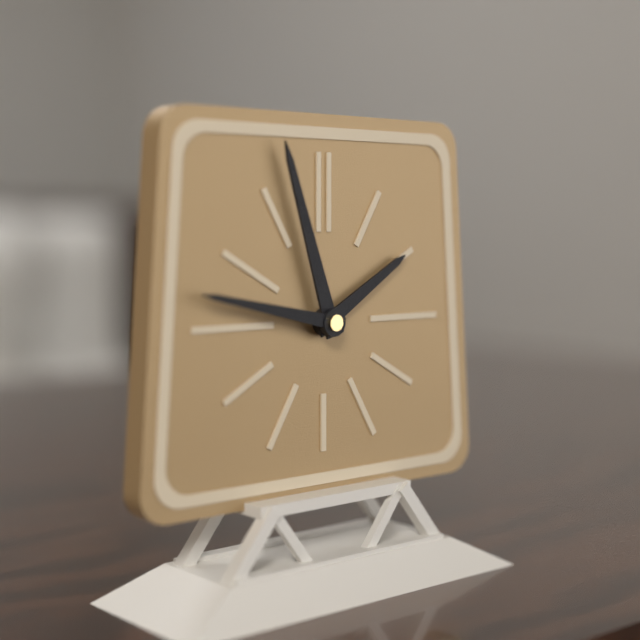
1 h 57 min 47 s
